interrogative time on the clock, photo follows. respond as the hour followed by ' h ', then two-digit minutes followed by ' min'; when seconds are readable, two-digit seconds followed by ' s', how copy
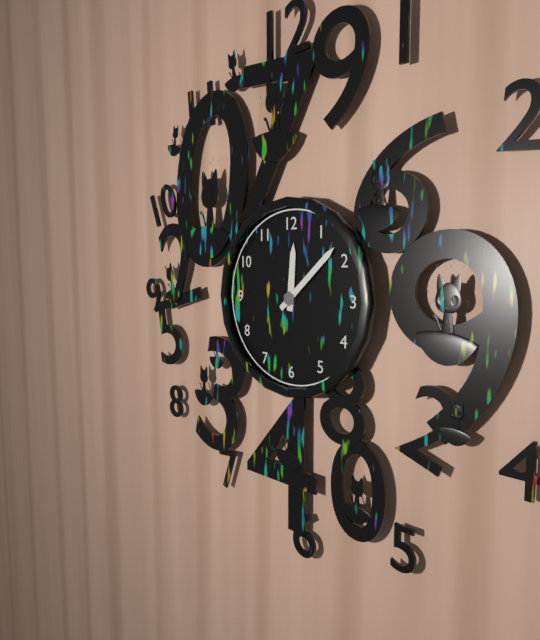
12 h 08 min
